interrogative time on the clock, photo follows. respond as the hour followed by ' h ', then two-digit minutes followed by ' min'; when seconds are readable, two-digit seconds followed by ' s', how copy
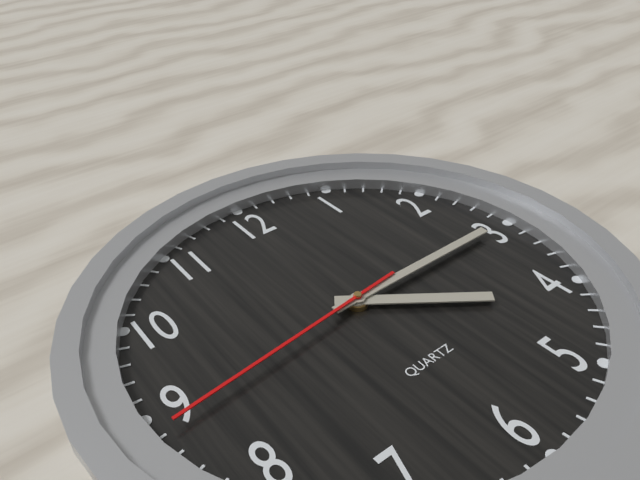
4 h 15 min 44 s
